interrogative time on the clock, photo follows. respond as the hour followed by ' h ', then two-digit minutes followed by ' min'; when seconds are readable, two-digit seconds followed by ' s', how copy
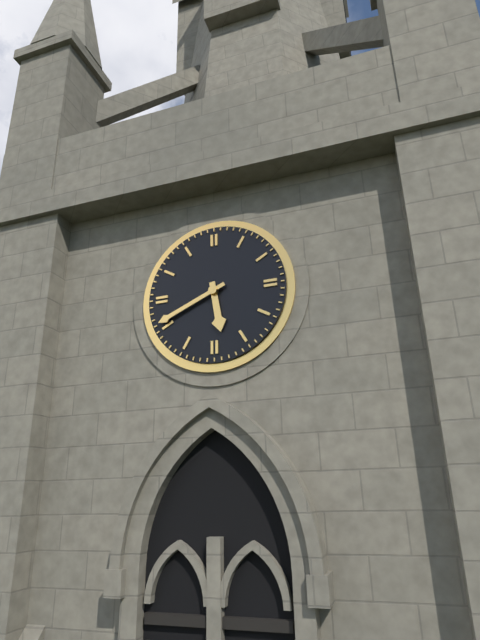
5 h 41 min
